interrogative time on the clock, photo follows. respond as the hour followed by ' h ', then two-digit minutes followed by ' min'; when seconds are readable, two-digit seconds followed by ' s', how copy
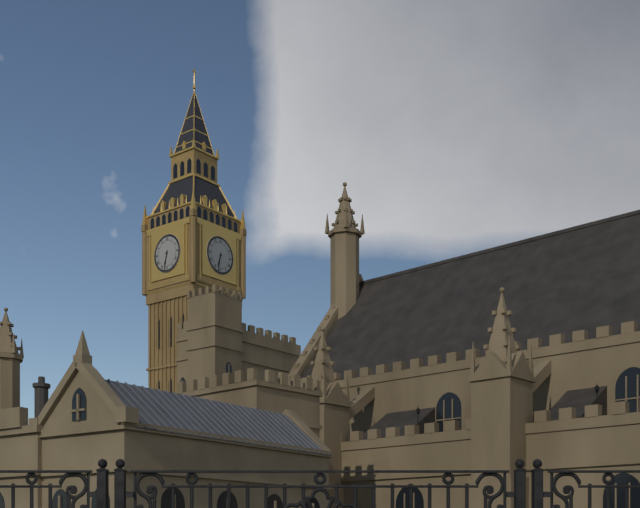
6 h 32 min
